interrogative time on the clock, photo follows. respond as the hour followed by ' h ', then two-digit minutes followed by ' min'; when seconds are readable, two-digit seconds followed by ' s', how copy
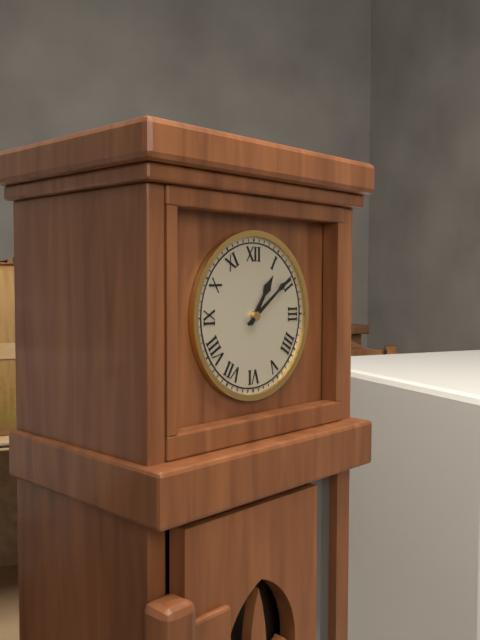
1 h 09 min
